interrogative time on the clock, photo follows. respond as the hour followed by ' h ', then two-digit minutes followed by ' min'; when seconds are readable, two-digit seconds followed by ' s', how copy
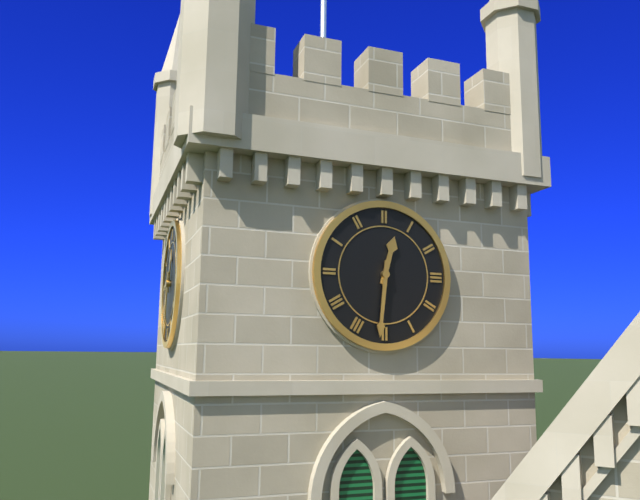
12 h 31 min
